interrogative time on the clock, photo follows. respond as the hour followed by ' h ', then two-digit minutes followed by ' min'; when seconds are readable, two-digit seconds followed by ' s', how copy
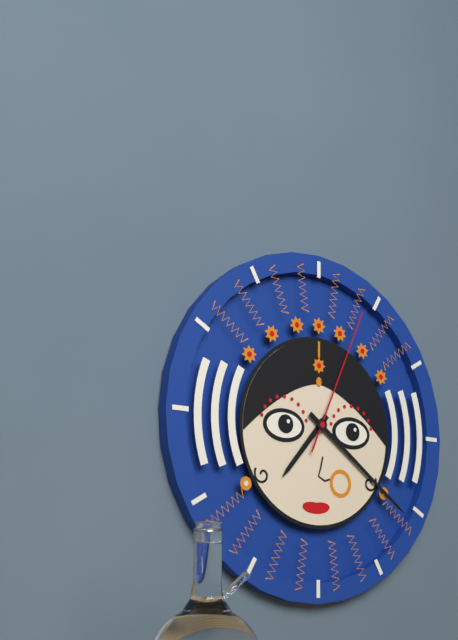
7 h 21 min 04 s
